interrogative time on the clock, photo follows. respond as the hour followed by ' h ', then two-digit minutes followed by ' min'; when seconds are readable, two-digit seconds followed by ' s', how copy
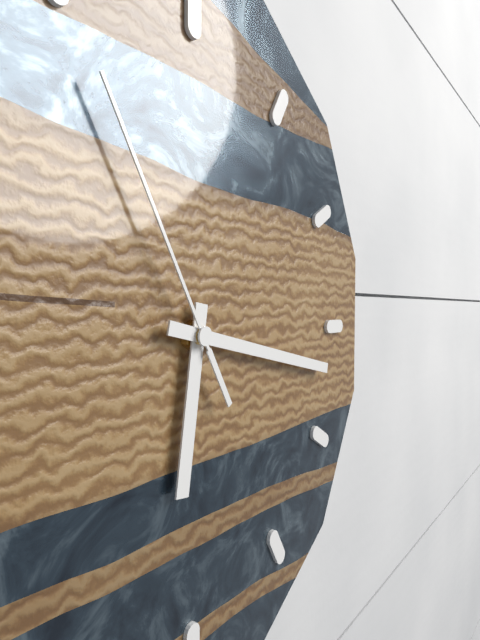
6 h 17 min 55 s
